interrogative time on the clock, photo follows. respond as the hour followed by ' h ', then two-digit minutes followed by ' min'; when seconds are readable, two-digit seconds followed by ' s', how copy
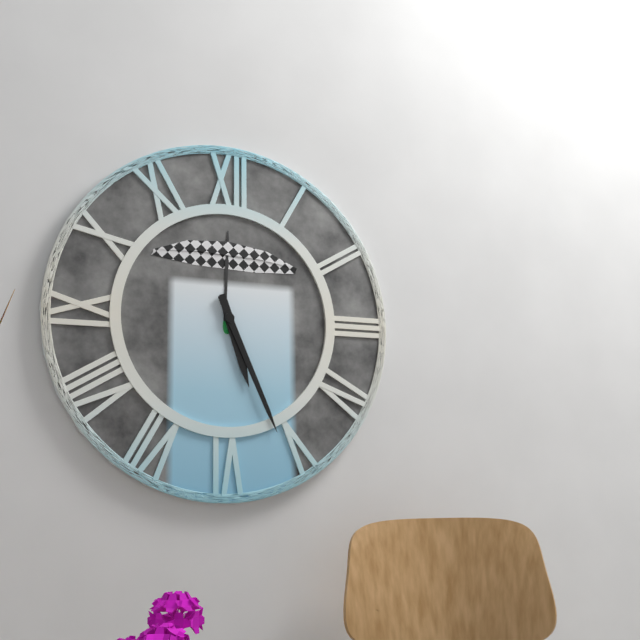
5 h 26 min
